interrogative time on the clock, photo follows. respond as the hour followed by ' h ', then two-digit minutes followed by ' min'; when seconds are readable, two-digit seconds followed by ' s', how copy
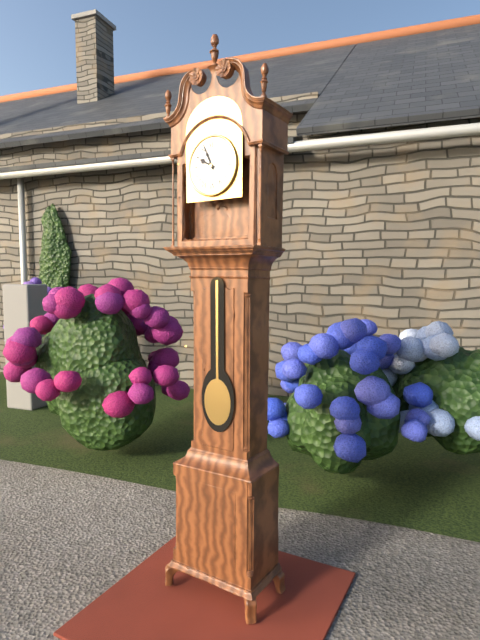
9 h 56 min
